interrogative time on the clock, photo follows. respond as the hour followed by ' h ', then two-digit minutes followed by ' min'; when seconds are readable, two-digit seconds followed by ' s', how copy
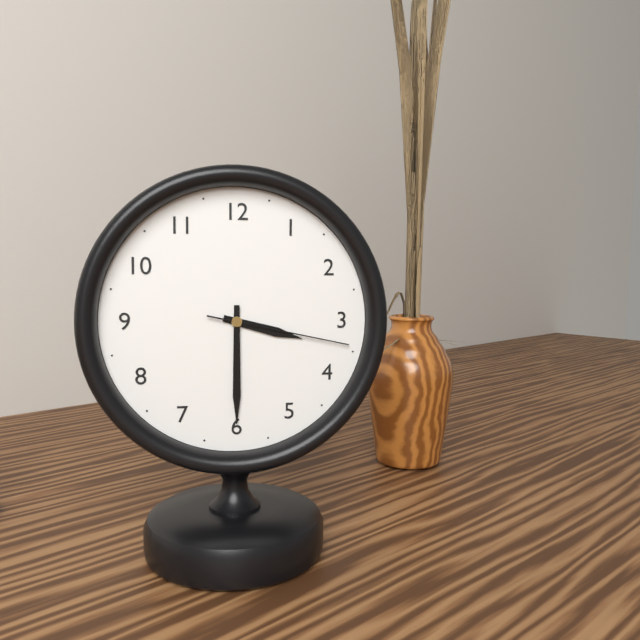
3 h 30 min 17 s
